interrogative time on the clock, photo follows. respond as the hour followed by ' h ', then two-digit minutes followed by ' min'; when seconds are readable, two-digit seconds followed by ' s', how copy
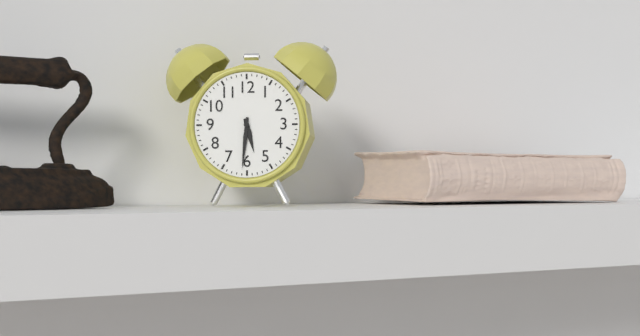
5 h 31 min
